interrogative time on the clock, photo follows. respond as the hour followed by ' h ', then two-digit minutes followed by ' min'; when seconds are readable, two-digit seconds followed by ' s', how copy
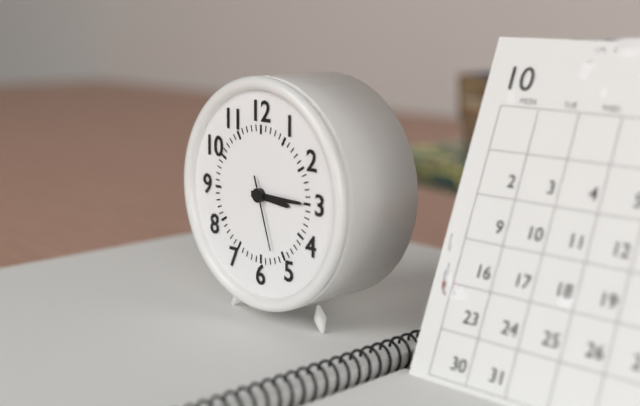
3 h 15 min 27 s
